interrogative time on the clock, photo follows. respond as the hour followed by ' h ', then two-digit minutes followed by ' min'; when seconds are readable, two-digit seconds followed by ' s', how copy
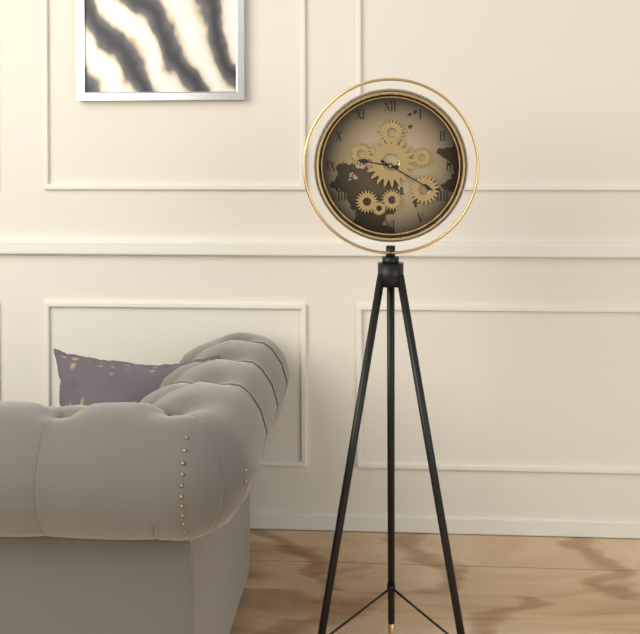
9 h 20 min
